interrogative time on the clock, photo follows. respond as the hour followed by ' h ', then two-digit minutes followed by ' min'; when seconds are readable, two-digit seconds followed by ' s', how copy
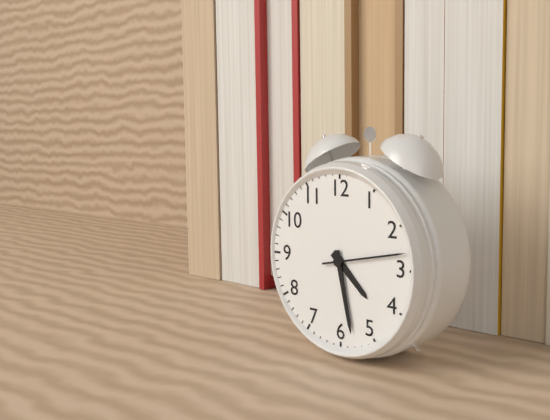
4 h 28 min 13 s
